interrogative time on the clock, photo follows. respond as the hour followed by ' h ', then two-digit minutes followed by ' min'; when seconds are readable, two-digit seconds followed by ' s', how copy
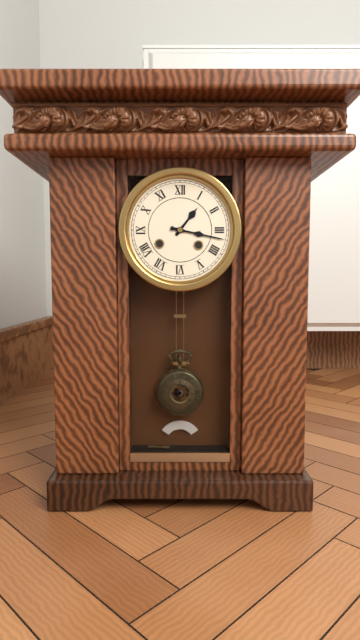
1 h 17 min
